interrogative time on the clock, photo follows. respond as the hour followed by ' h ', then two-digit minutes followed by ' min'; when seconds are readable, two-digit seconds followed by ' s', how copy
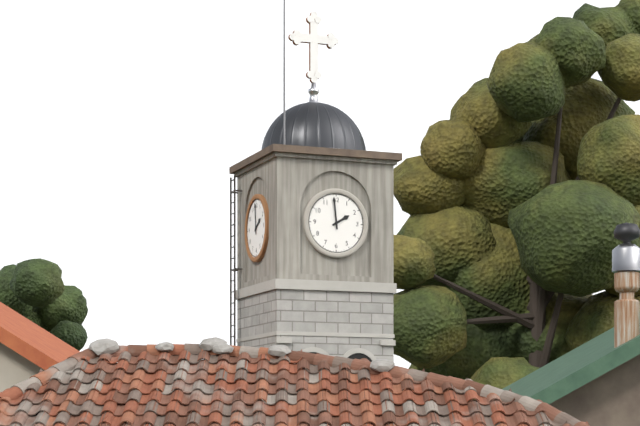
1 h 59 min
